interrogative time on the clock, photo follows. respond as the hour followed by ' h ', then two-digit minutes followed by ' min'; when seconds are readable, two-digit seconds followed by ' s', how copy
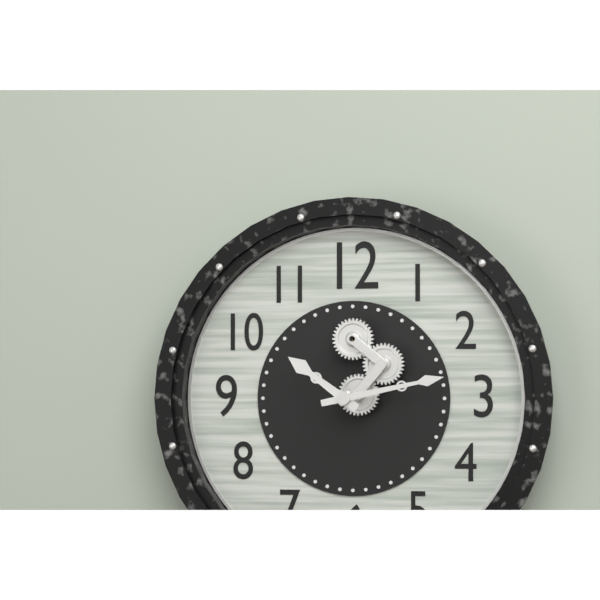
10 h 13 min
